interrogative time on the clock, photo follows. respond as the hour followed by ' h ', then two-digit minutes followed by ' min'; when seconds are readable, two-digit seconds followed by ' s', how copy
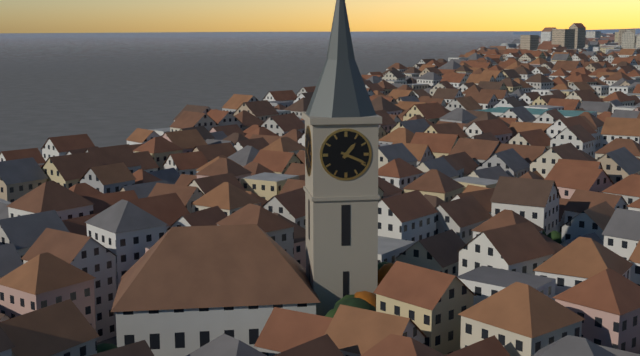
1 h 19 min
